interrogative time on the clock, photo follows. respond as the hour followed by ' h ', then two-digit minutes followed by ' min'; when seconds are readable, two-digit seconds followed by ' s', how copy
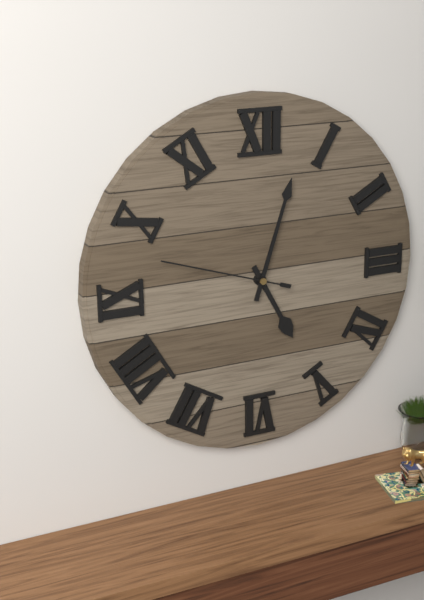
5 h 03 min 48 s
